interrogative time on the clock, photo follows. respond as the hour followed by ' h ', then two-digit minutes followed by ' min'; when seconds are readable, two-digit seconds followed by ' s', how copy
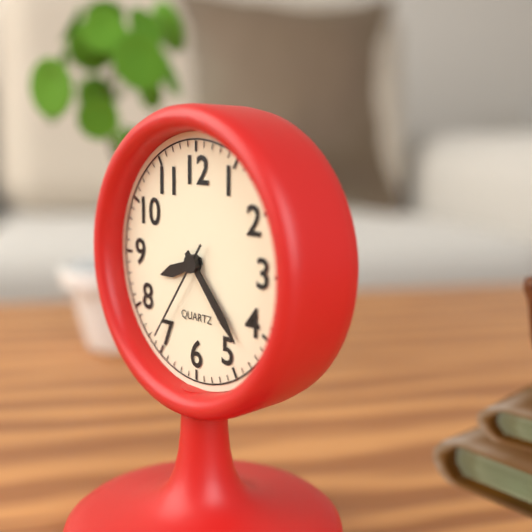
8 h 23 min 36 s
